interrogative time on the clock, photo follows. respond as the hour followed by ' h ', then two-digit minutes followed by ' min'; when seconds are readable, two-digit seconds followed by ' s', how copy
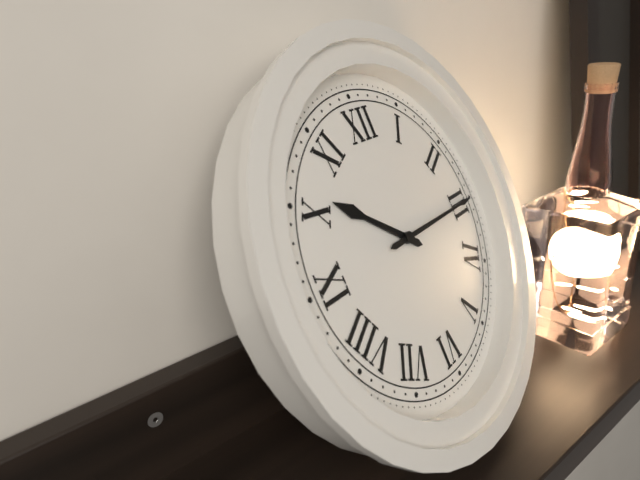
10 h 15 min
